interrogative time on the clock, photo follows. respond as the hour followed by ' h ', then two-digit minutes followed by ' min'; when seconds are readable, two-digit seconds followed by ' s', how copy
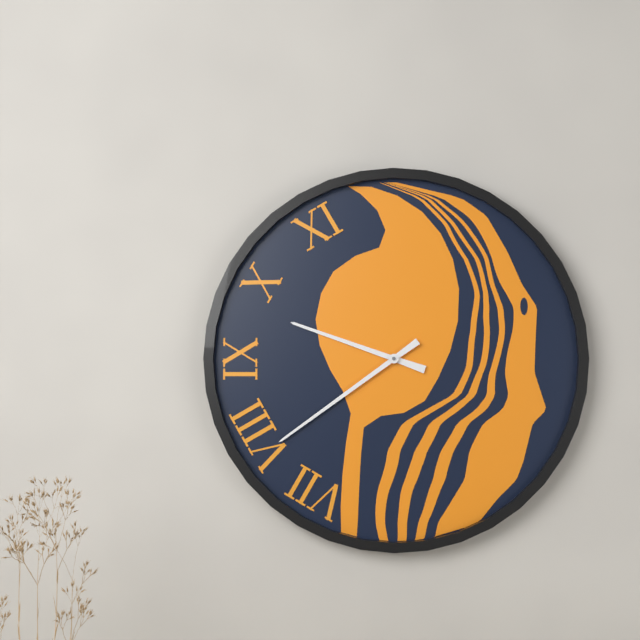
9 h 39 min
